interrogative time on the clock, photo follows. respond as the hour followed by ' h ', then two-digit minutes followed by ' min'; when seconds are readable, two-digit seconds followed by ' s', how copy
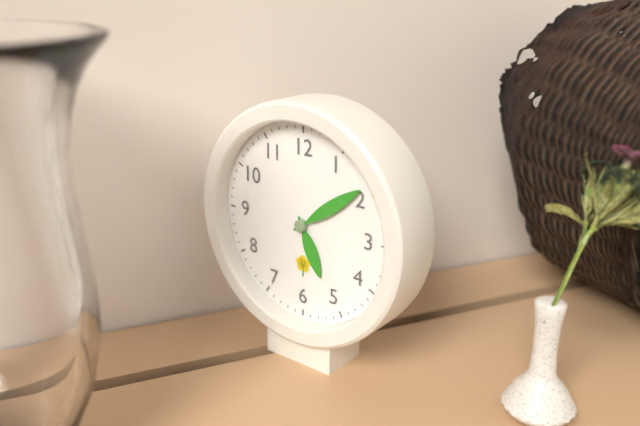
5 h 09 min
